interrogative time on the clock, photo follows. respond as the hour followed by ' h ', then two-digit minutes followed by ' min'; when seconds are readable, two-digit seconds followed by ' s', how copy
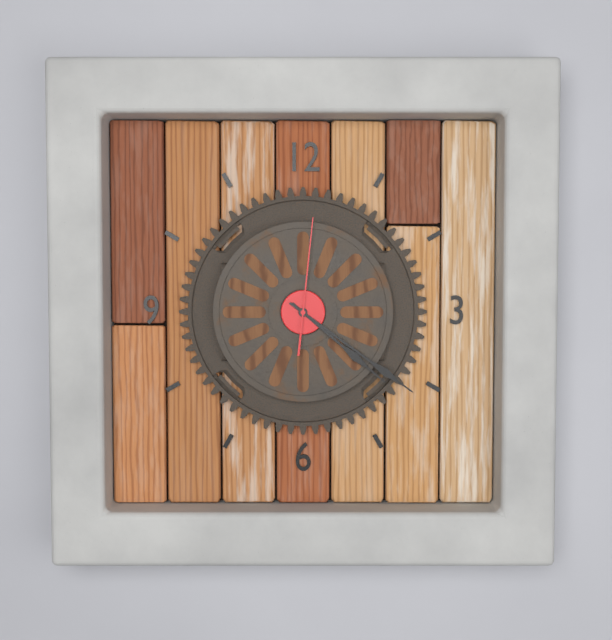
4 h 21 min 01 s
